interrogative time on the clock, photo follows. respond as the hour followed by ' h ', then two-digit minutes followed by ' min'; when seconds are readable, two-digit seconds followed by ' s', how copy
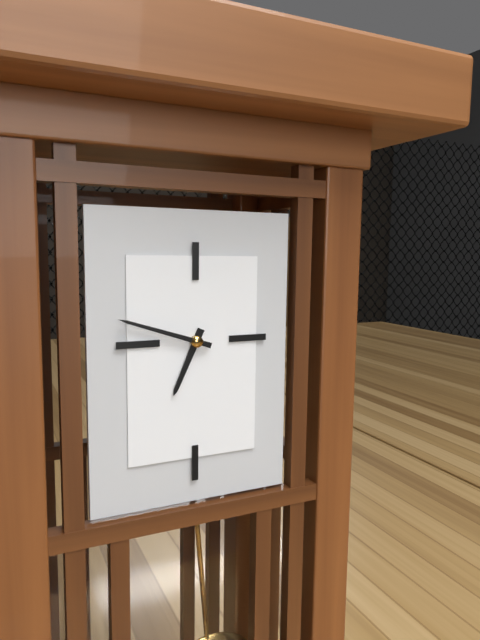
6 h 48 min
